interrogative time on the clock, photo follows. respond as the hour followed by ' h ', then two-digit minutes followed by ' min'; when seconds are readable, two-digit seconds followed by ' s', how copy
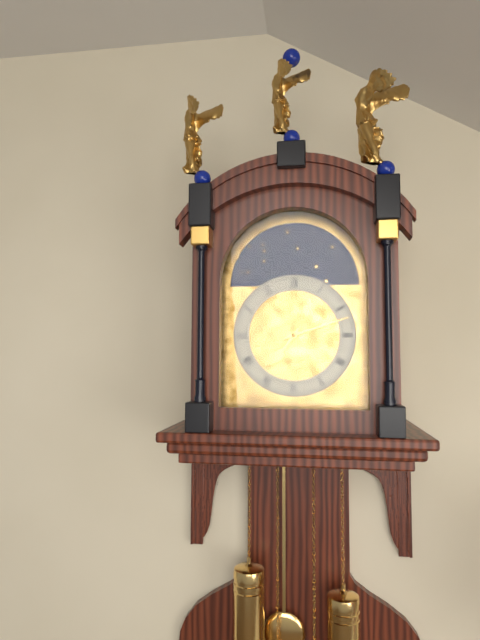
7 h 12 min
